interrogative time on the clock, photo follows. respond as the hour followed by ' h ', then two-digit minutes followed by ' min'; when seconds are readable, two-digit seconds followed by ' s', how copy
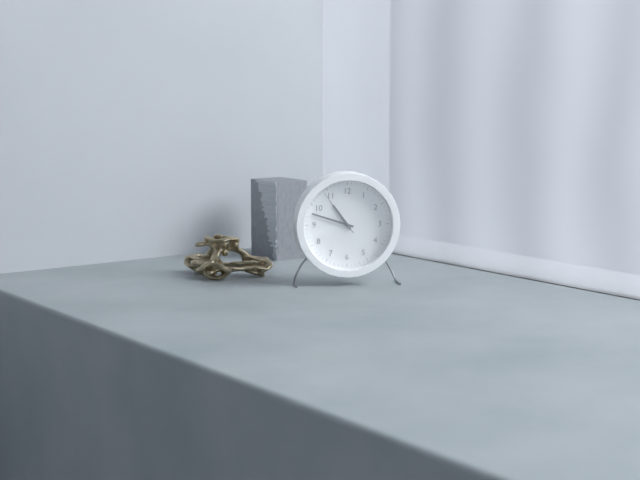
10 h 48 min
